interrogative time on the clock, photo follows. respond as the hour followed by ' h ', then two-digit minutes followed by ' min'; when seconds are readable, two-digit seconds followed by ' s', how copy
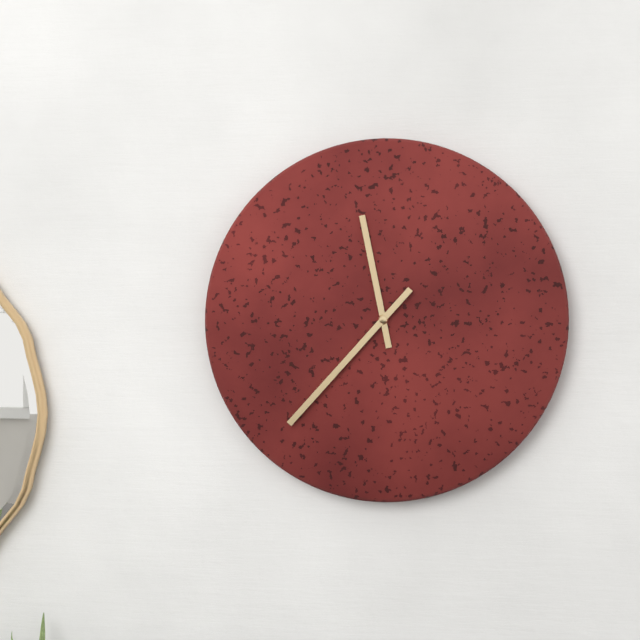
11 h 37 min
